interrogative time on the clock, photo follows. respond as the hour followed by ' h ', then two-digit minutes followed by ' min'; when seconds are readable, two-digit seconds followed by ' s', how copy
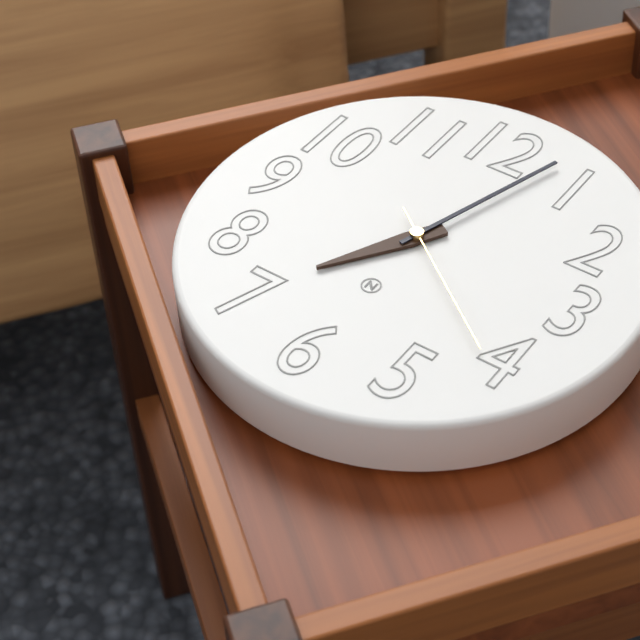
7 h 03 min 21 s
